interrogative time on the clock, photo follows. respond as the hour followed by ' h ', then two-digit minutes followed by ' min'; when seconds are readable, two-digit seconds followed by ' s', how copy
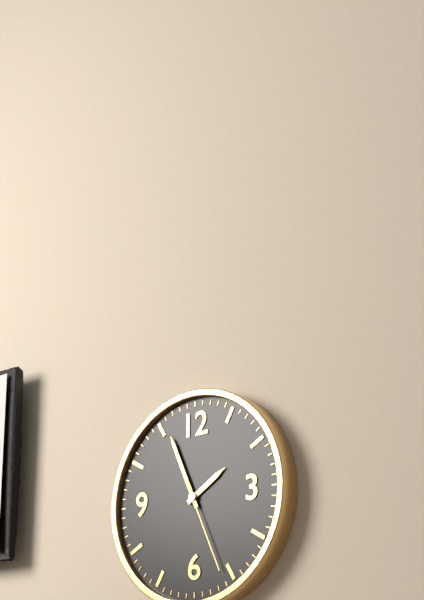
1 h 56 min 26 s
